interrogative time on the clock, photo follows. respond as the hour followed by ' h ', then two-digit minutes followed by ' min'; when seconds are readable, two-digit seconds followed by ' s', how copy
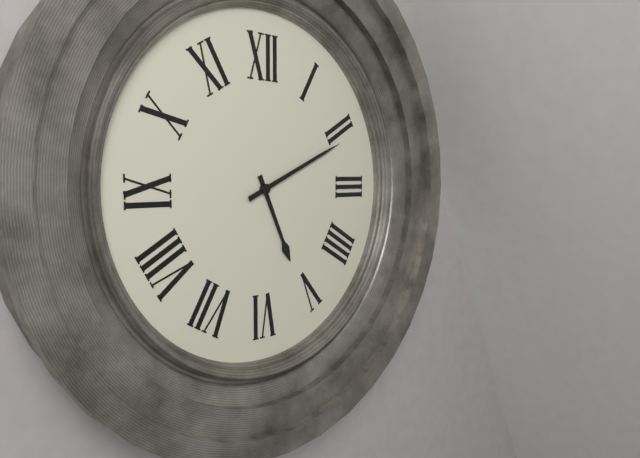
5 h 11 min
